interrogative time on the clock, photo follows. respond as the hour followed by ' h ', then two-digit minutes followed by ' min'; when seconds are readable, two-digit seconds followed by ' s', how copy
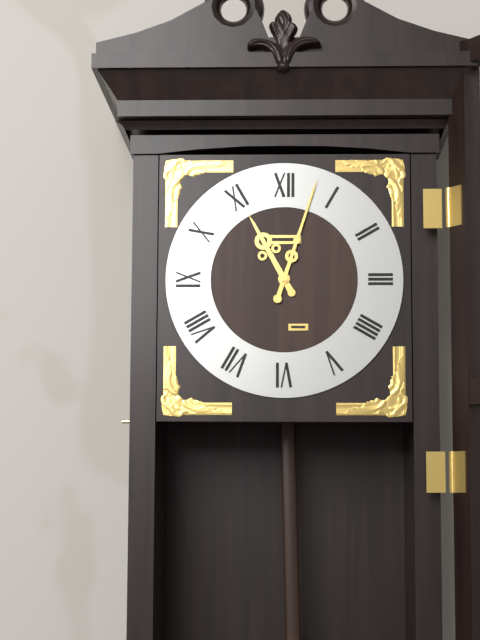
11 h 03 min
